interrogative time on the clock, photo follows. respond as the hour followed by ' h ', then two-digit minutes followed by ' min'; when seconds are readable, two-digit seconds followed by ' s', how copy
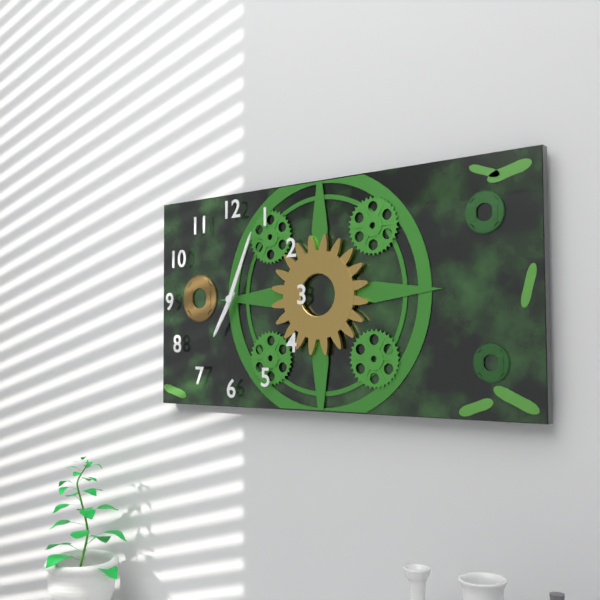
7 h 04 min
